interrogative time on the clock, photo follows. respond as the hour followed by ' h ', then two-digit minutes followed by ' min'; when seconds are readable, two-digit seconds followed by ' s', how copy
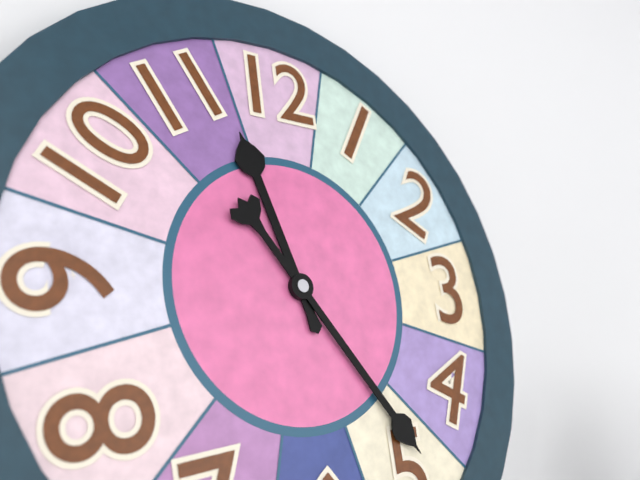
11 h 24 min
